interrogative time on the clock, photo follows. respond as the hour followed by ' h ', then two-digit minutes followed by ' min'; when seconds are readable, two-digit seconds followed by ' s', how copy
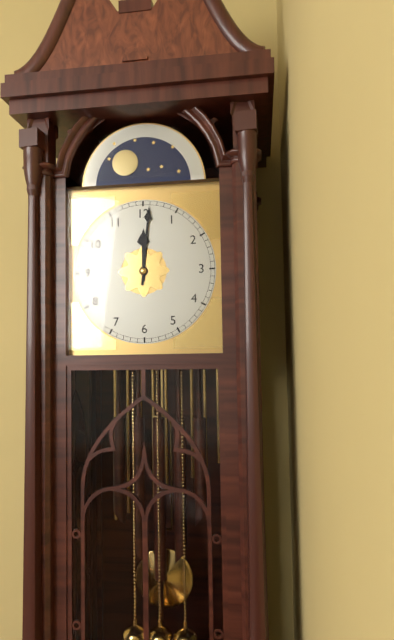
12 h 01 min
